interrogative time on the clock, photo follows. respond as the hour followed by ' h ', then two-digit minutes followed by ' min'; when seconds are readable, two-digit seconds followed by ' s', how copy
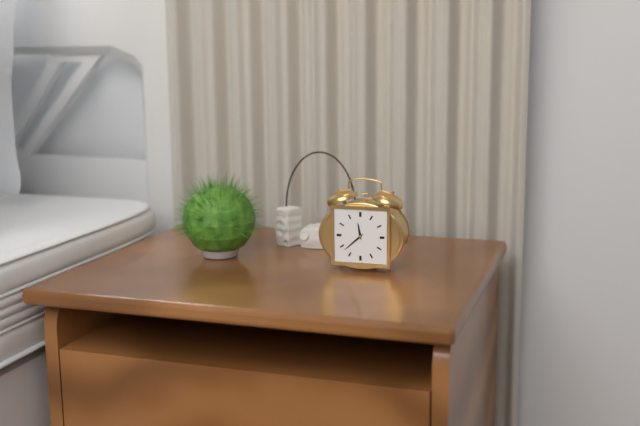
11 h 38 min
